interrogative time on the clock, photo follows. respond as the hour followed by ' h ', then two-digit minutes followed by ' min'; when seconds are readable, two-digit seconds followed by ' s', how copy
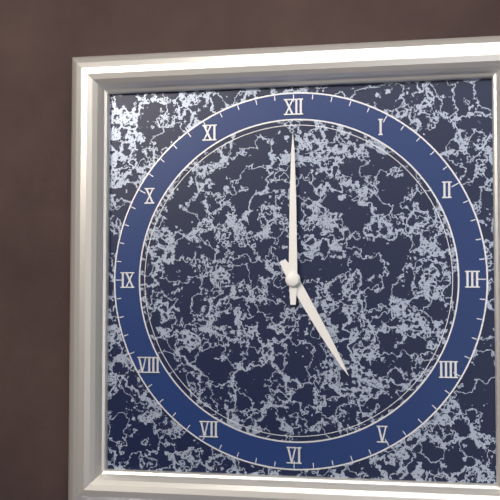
5 h 00 min
